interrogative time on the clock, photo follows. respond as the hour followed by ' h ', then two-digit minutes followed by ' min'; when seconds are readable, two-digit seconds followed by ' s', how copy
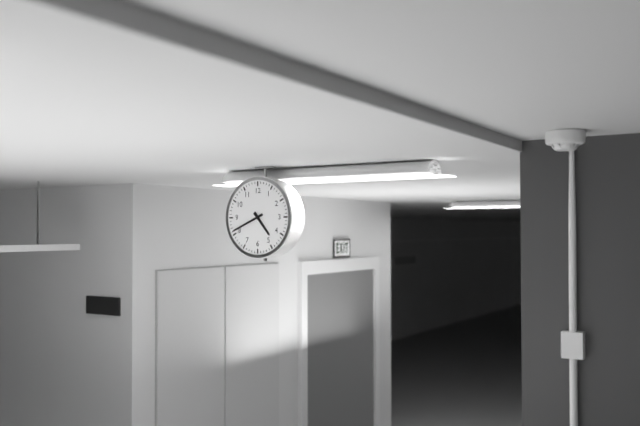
4 h 41 min
